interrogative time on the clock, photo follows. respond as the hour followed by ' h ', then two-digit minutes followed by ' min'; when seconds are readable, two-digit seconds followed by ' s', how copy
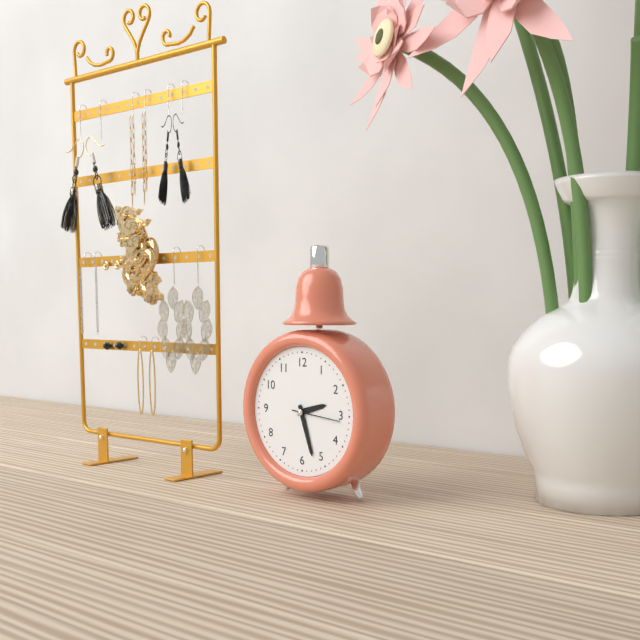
2 h 27 min 16 s
